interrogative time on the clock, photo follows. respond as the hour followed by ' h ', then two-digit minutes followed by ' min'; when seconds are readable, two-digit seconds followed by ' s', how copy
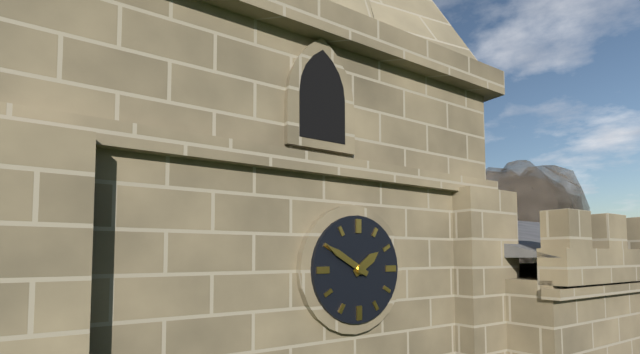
1 h 50 min
